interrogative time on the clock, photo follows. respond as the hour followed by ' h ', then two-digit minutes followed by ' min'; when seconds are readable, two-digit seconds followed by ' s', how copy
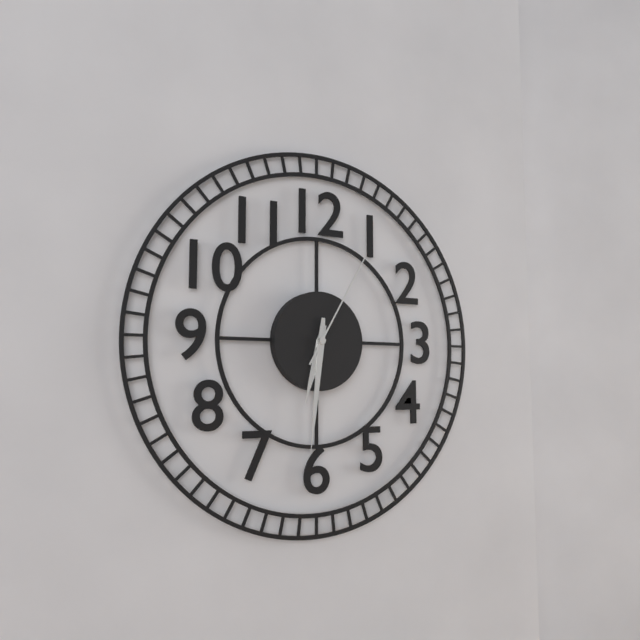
6 h 31 min 05 s
